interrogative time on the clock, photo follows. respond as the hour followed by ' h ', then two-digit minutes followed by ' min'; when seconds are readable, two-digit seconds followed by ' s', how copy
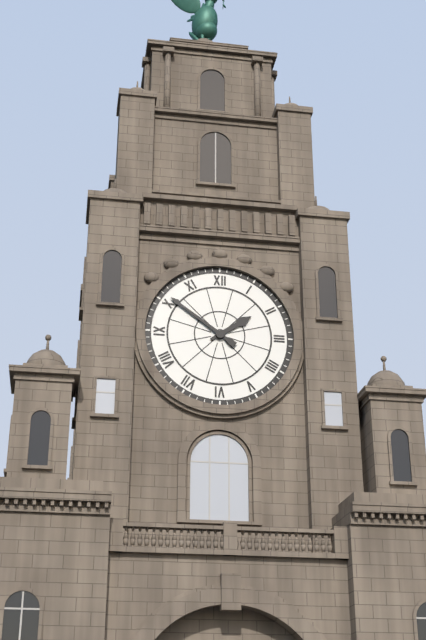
1 h 51 min
